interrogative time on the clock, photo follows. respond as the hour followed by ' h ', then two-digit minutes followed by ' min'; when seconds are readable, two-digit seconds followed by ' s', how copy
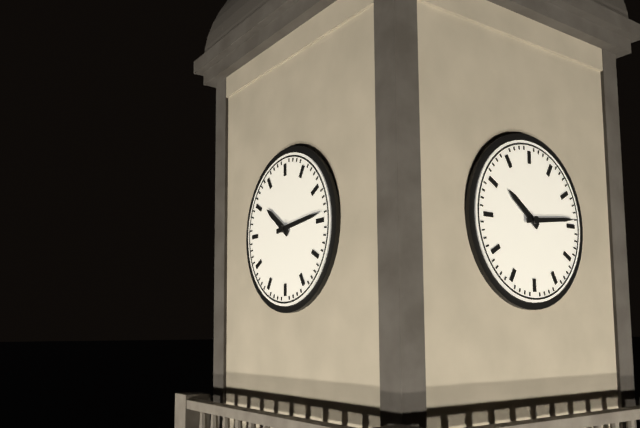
10 h 14 min
